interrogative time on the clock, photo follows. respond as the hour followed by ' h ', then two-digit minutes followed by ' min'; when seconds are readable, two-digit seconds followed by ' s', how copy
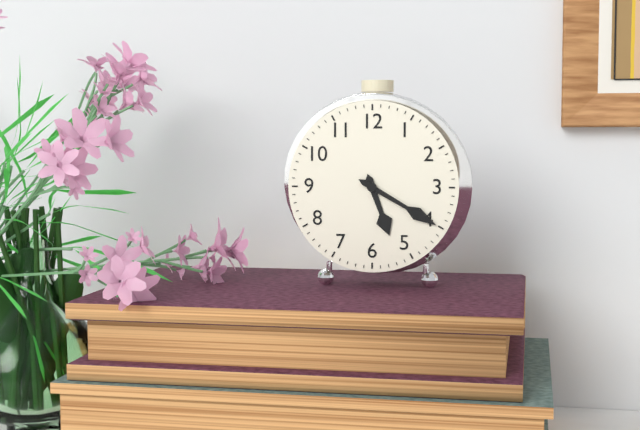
5 h 20 min
